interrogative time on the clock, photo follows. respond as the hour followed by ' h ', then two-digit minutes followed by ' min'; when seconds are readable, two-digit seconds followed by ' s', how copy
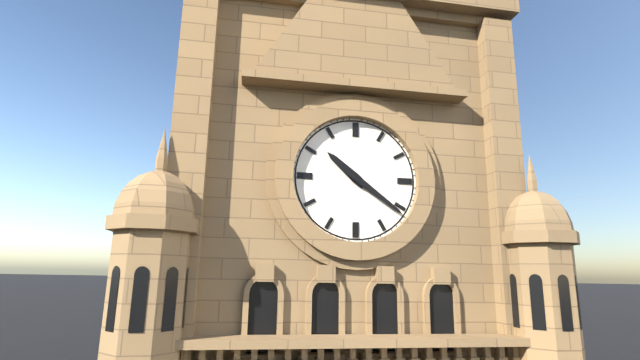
10 h 21 min
